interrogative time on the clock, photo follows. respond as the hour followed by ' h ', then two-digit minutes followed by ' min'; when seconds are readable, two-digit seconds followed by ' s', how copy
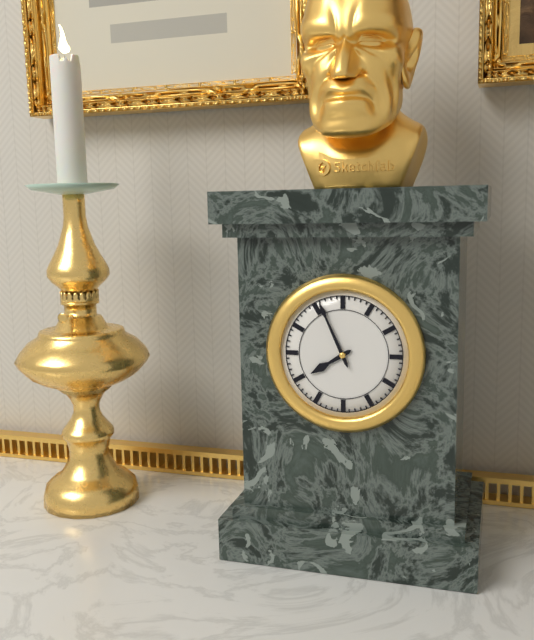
7 h 56 min
